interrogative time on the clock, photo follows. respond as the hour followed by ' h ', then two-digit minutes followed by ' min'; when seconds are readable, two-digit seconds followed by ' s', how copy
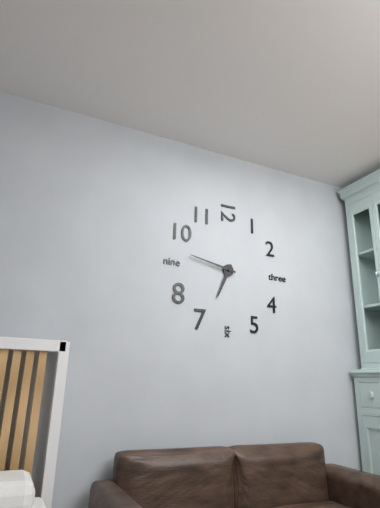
6 h 47 min
